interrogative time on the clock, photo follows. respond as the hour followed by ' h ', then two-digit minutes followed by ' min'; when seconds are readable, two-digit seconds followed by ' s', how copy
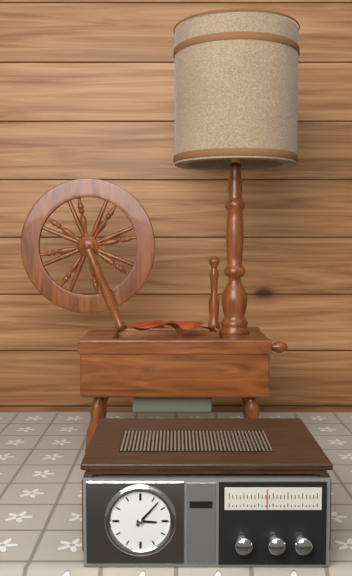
3 h 07 min
